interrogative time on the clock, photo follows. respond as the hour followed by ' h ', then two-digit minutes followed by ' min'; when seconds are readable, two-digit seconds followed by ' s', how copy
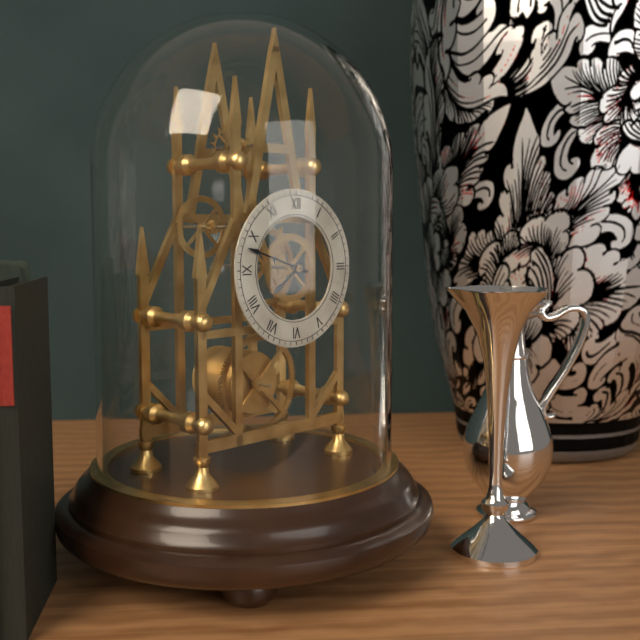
7 h 48 min
